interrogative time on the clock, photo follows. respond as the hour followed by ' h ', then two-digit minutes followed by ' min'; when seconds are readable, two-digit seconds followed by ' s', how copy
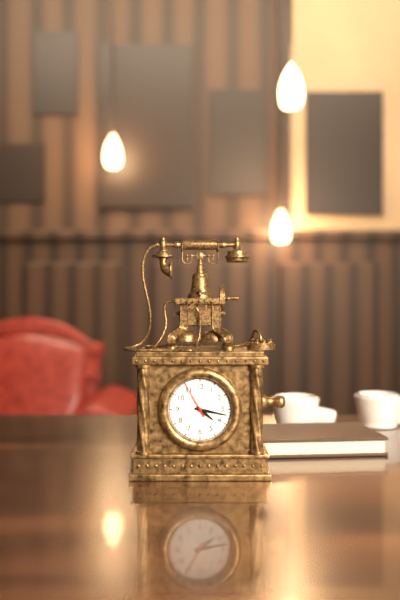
4 h 17 min
